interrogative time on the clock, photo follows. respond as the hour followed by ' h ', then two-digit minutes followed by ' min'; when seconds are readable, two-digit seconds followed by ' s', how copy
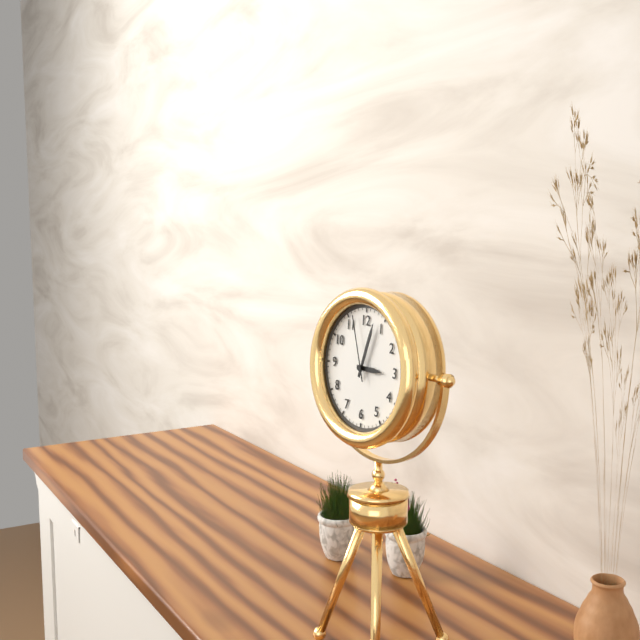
3 h 03 min 57 s
